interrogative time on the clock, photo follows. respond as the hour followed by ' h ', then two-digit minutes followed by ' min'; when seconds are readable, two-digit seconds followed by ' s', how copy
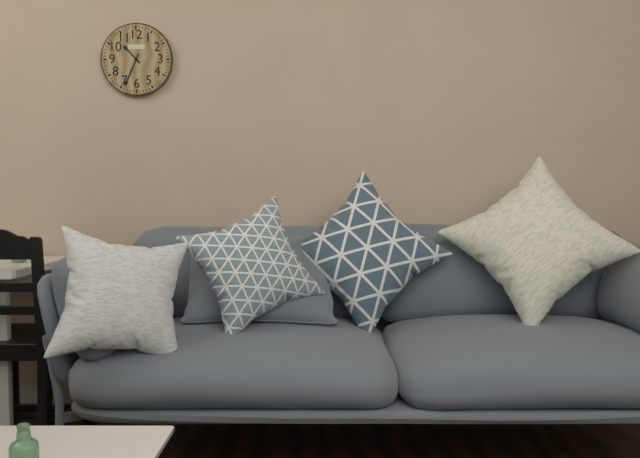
10 h 34 min
